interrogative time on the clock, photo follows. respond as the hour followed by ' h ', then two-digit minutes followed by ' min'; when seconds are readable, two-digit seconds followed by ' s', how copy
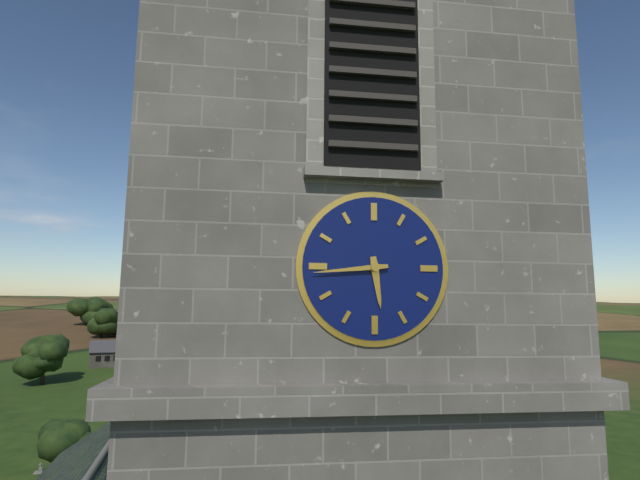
5 h 44 min
